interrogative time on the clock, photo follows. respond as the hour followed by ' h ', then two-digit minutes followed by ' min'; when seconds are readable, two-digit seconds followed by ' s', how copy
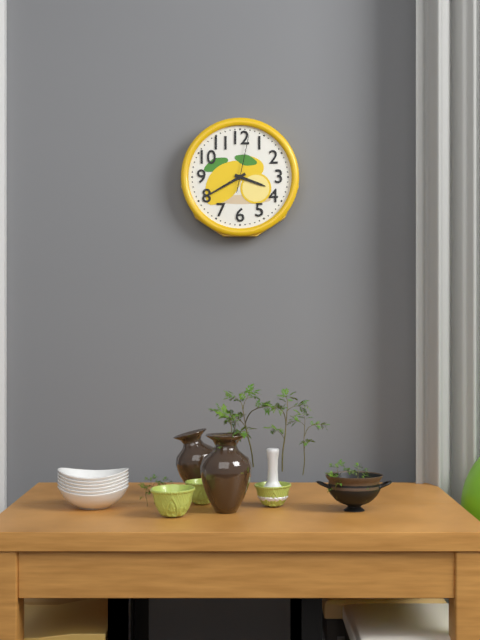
3 h 40 min 02 s
